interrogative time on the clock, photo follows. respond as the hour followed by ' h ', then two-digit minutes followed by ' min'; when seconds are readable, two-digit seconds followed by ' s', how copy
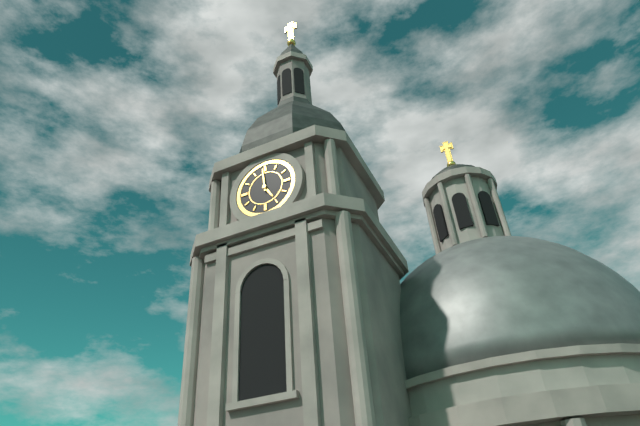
4 h 59 min
